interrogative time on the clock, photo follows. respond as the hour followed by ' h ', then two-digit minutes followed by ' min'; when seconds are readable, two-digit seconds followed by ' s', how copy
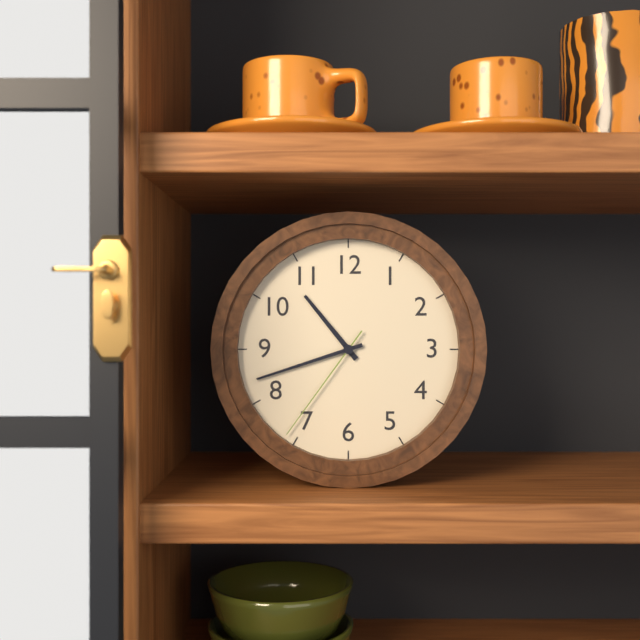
10 h 42 min 36 s
